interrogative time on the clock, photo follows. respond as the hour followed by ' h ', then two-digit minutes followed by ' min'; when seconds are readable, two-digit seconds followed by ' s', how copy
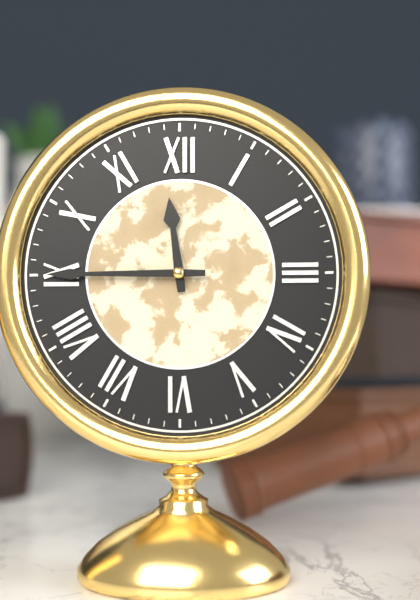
11 h 45 min
